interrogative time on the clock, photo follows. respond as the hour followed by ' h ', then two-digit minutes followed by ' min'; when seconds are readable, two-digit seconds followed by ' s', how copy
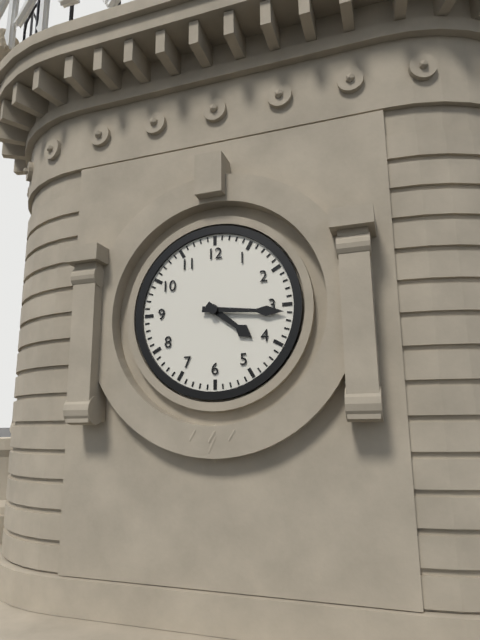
4 h 16 min
